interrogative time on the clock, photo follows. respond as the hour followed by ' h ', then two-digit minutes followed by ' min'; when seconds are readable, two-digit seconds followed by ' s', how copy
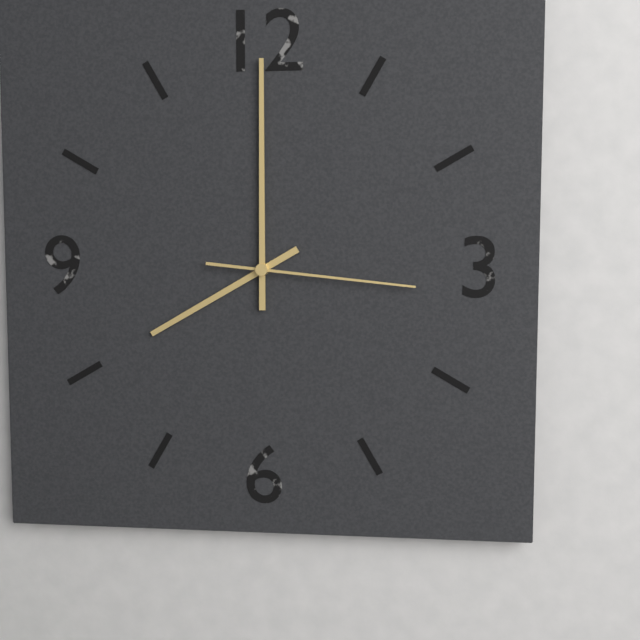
8 h 00 min 16 s
